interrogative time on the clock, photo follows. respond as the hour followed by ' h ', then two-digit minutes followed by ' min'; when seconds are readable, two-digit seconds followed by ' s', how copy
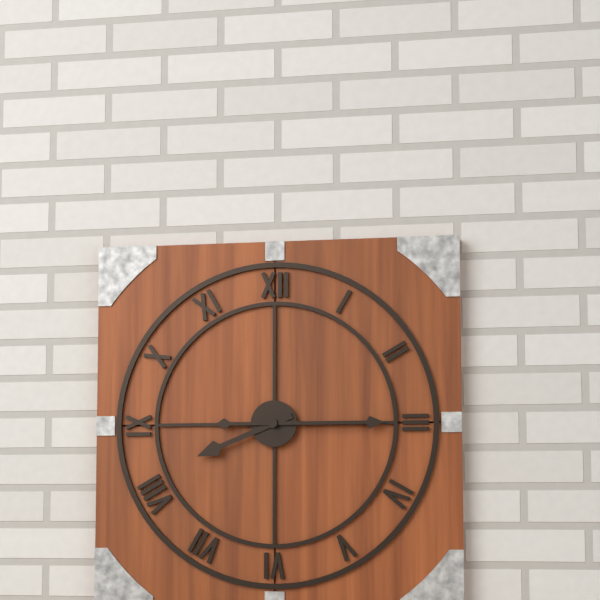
8 h 15 min
